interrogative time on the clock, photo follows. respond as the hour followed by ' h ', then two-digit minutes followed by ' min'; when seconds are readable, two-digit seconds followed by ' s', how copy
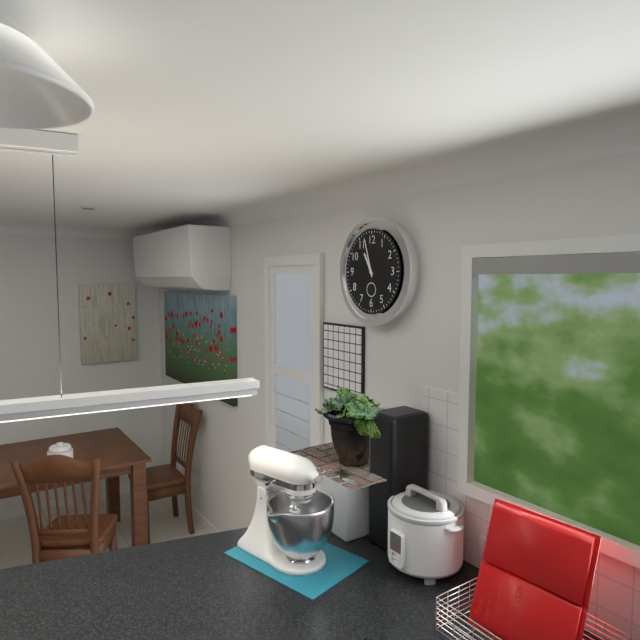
10 h 57 min
